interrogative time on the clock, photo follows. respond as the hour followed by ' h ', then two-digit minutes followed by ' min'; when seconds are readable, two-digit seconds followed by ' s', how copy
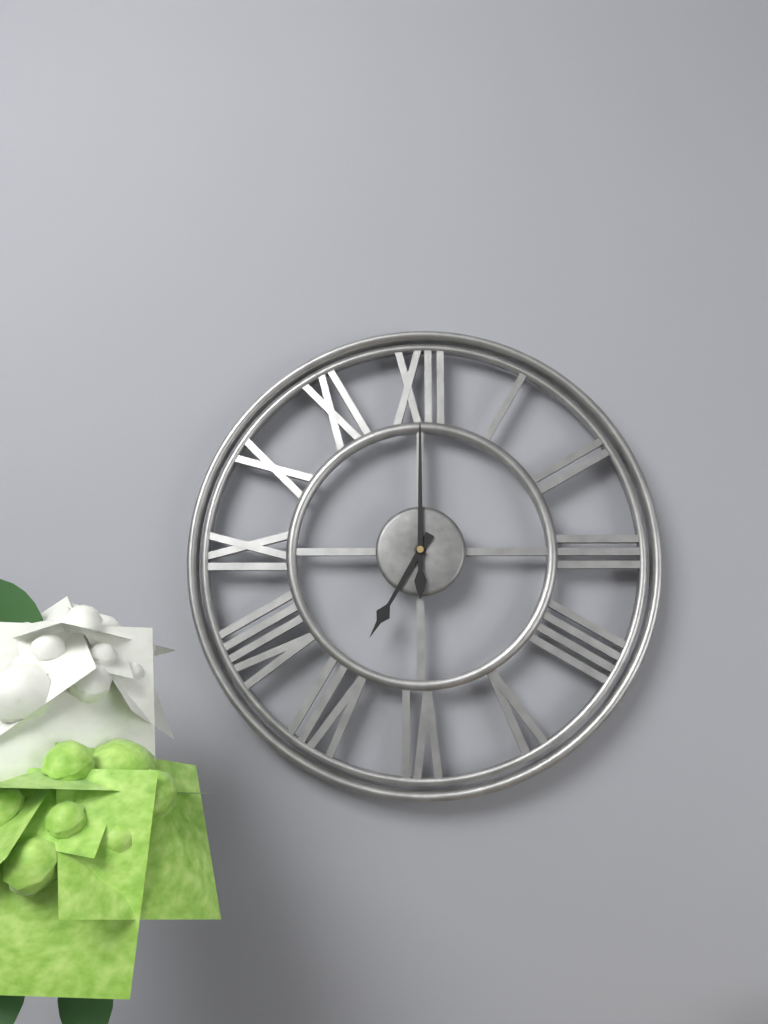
7 h 00 min
